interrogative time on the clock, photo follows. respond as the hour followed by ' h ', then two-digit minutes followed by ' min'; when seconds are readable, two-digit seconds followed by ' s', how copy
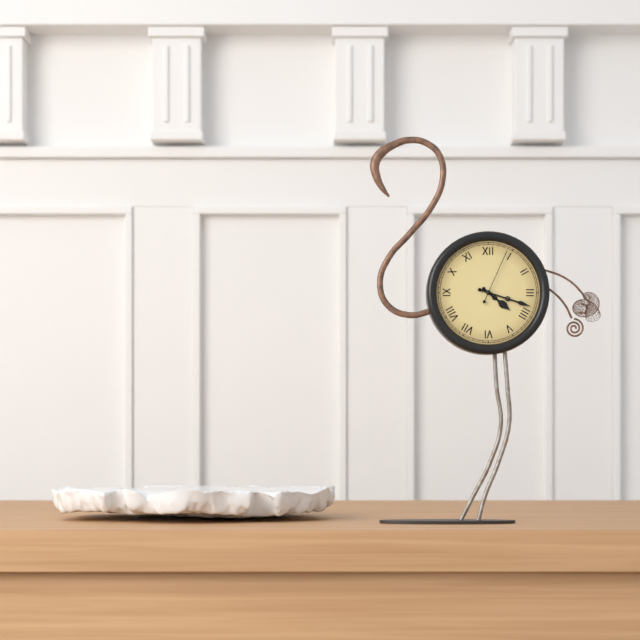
4 h 18 min 04 s
